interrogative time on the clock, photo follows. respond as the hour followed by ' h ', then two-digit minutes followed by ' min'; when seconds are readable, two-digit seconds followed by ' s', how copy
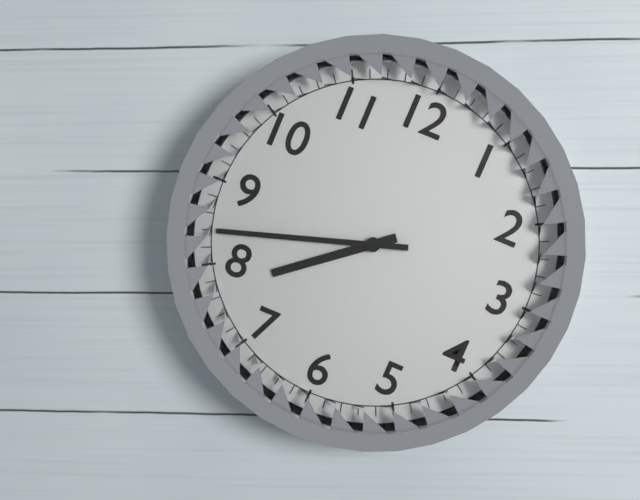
7 h 42 min
